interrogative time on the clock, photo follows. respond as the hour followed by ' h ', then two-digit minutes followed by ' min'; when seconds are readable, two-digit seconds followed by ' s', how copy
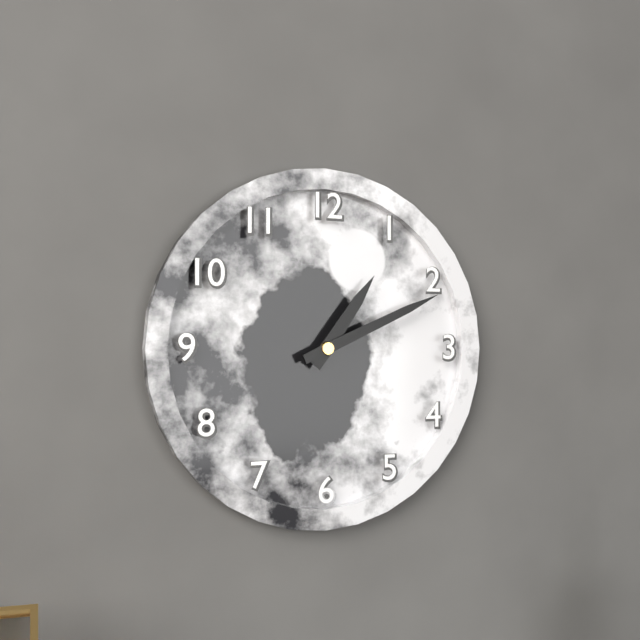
1 h 11 min
